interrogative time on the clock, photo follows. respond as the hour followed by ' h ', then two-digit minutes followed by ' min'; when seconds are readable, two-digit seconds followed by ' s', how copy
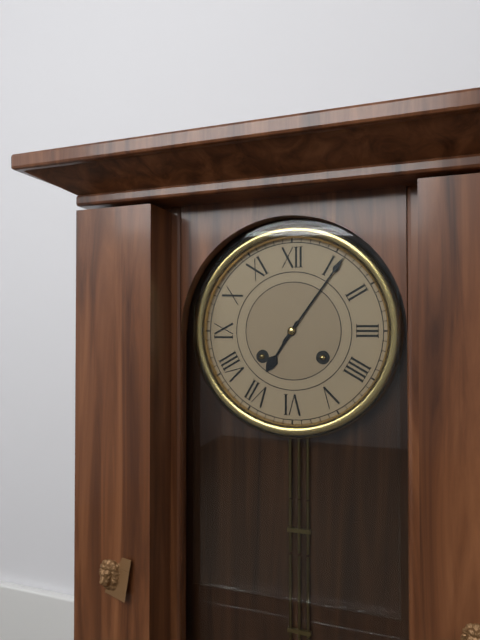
7 h 06 min
